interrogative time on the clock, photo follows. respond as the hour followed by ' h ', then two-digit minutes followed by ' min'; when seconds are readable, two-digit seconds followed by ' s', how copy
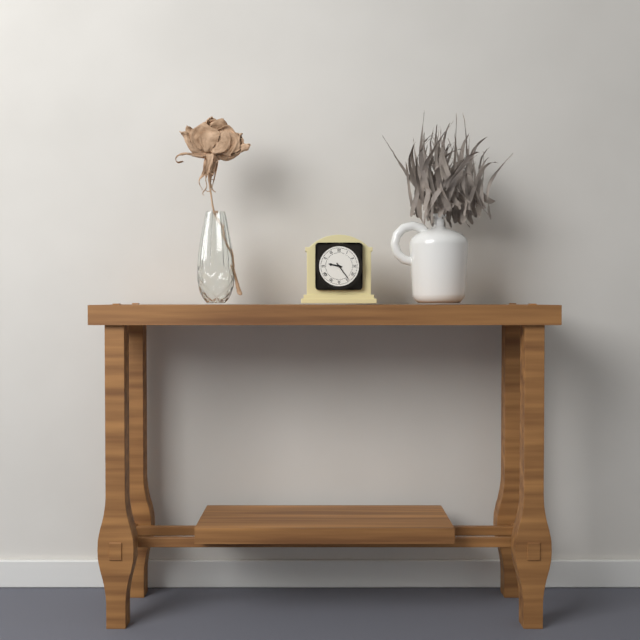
9 h 24 min
